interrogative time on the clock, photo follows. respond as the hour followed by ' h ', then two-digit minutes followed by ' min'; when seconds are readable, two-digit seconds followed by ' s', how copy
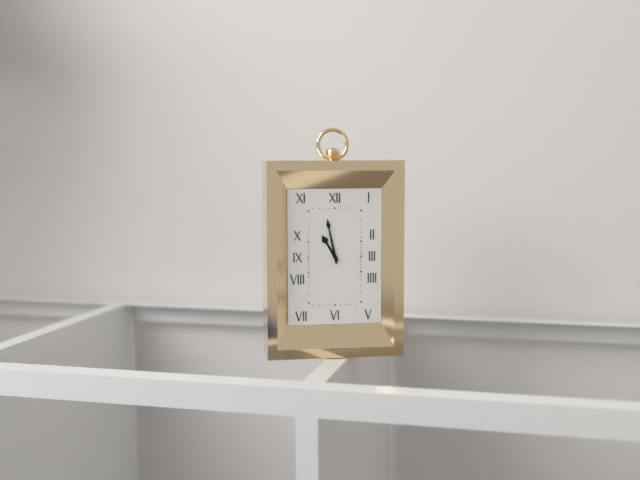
10 h 58 min
